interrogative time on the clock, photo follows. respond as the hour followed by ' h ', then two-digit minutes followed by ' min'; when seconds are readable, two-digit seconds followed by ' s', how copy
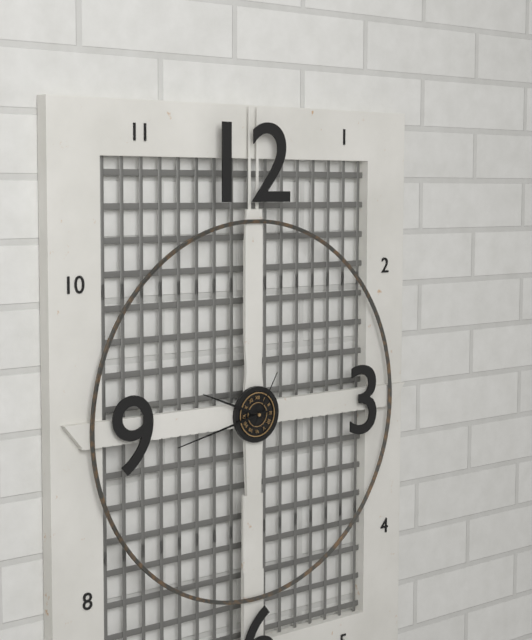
9 h 43 min 05 s
